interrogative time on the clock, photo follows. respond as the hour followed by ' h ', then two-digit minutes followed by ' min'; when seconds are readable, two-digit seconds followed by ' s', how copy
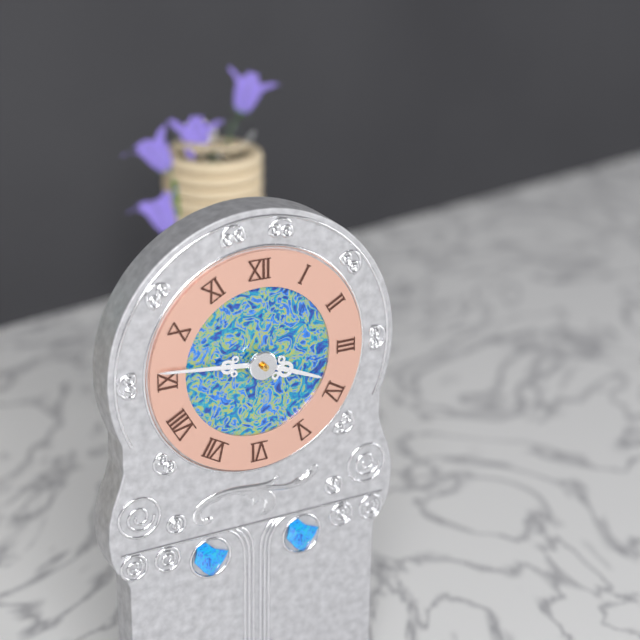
3 h 46 min
